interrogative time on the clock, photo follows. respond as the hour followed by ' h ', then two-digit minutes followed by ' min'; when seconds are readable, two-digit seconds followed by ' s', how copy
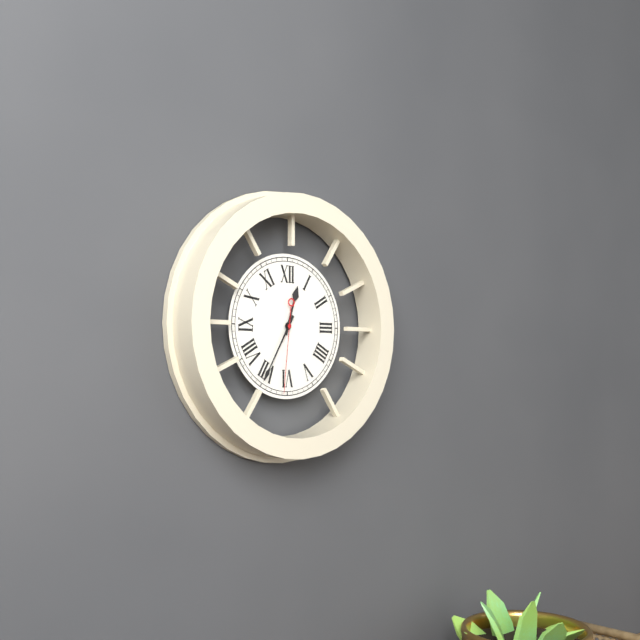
12 h 35 min 31 s
